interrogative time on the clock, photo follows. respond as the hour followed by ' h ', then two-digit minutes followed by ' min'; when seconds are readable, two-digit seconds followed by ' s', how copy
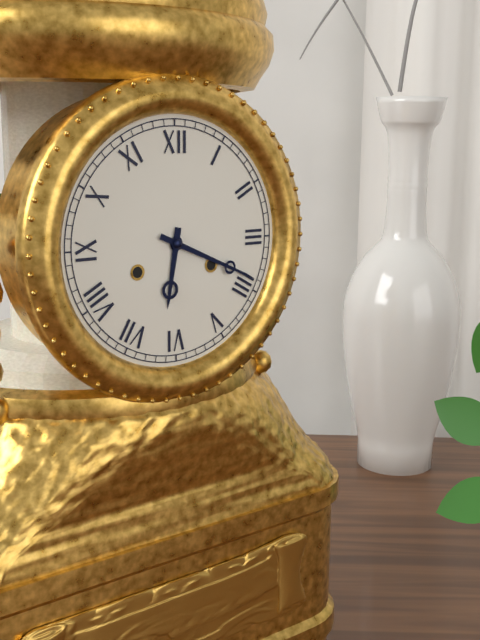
6 h 19 min
